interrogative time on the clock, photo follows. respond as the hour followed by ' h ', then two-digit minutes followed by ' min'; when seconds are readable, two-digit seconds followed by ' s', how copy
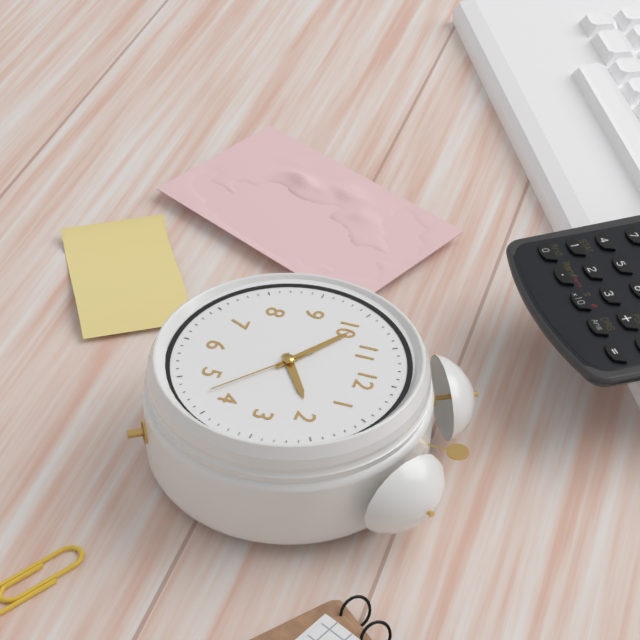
1 h 51 min 22 s
